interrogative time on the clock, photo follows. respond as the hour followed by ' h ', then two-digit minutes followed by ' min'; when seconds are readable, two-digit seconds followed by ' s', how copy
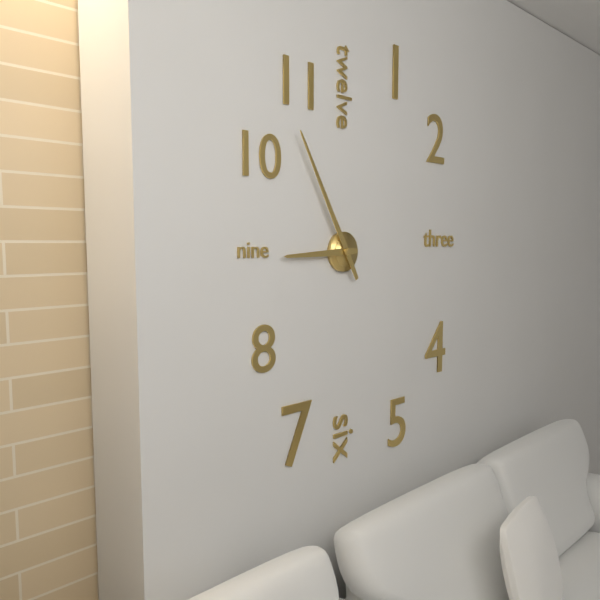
8 h 55 min
